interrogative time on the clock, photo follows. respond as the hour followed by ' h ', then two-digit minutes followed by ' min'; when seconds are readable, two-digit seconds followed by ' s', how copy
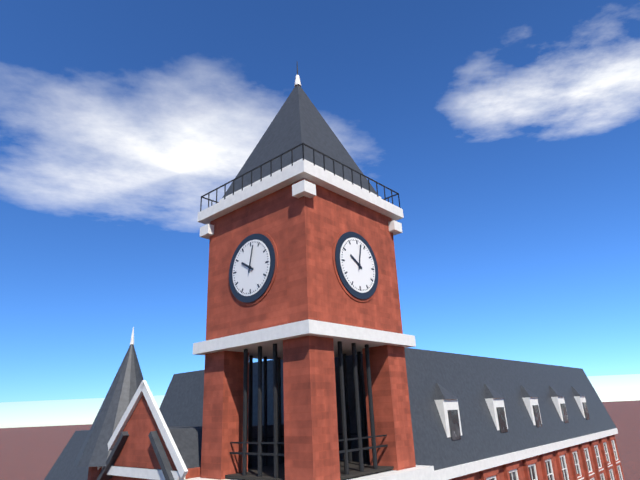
10 h 02 min
